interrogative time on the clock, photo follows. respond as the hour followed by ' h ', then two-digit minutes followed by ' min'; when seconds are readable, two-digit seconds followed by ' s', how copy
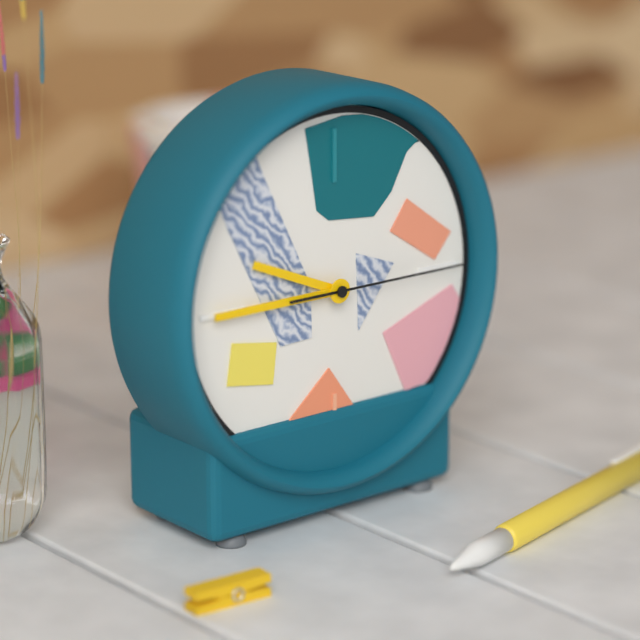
9 h 45 min 15 s
